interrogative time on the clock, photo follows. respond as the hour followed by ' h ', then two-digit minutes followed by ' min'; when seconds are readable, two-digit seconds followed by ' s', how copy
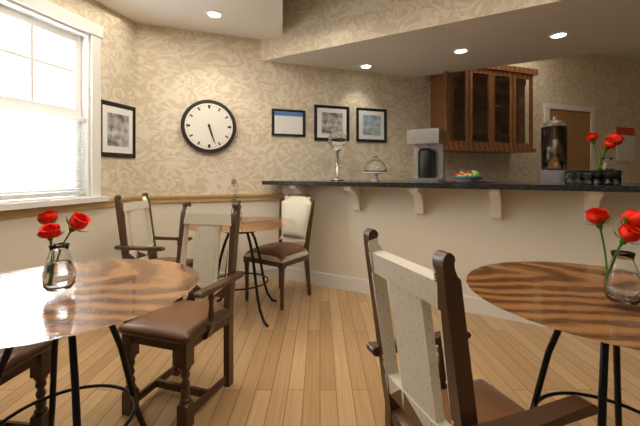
5 h 27 min
